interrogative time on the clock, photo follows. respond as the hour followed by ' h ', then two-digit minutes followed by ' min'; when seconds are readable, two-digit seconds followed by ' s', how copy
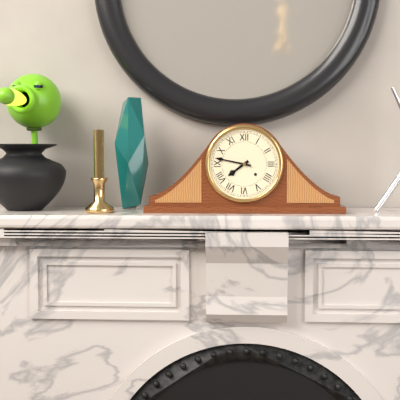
7 h 47 min
